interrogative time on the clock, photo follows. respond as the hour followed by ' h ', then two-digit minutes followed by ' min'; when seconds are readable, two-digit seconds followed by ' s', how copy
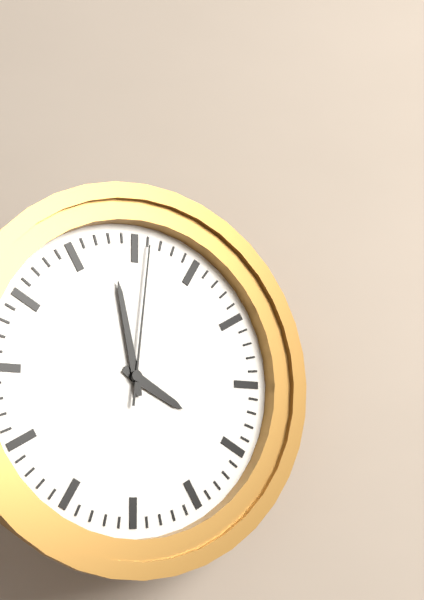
3 h 58 min 01 s
